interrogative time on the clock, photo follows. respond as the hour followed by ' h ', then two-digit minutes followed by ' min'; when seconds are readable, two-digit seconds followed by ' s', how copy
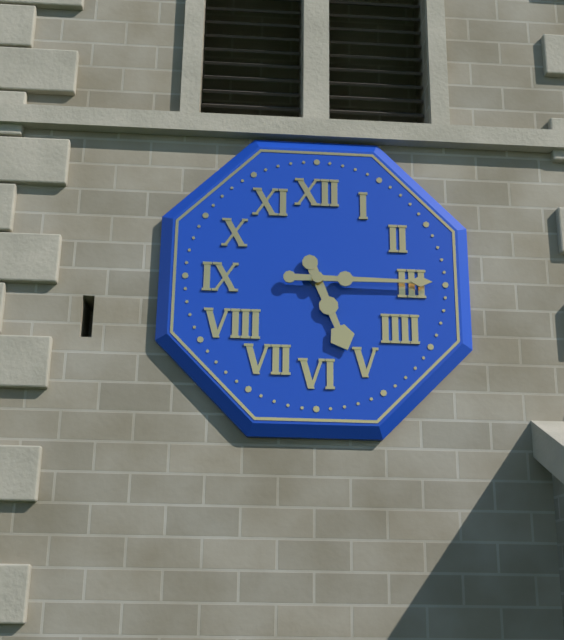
5 h 15 min
